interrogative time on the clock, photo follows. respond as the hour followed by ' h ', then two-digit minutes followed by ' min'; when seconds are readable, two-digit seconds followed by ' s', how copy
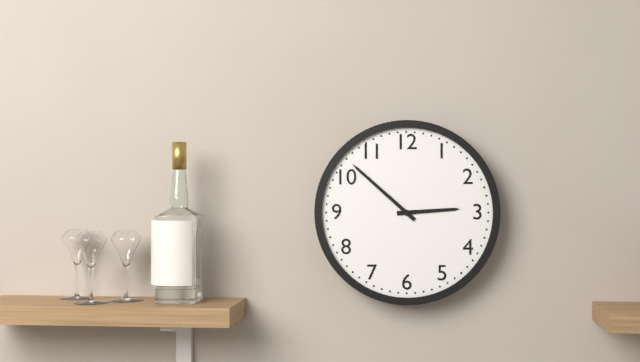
2 h 52 min
